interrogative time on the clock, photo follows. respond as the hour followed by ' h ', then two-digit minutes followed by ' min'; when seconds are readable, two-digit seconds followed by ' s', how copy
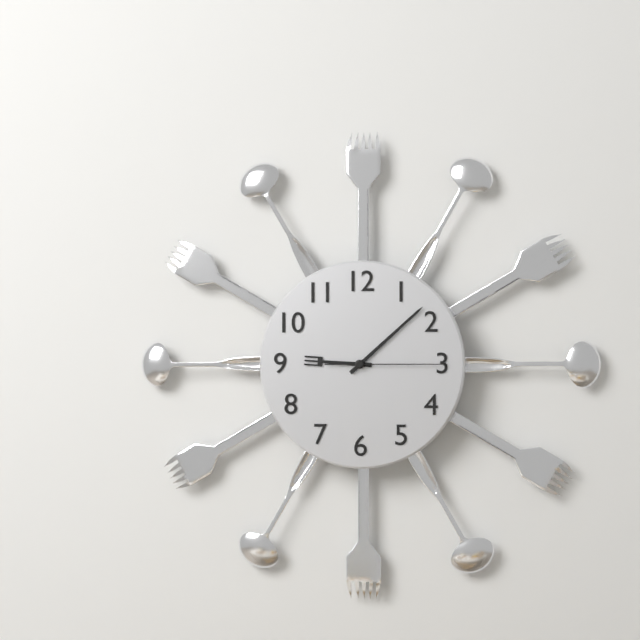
9 h 08 min 15 s
